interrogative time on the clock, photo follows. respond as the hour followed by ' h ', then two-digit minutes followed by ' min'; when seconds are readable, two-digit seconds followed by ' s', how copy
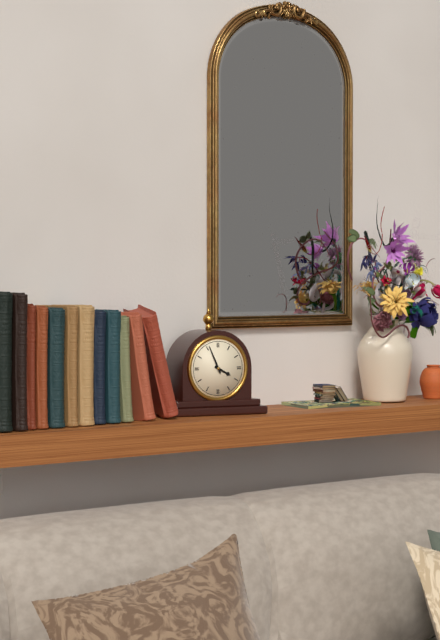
3 h 56 min
